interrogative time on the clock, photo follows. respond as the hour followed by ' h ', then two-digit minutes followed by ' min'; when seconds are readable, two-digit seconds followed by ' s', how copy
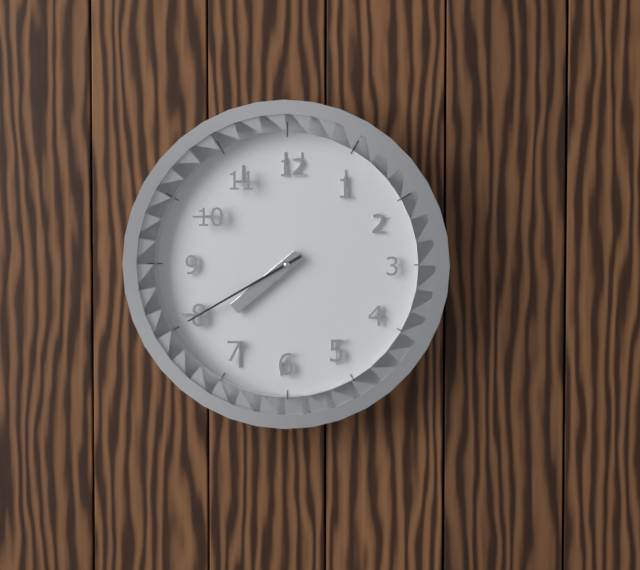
7 h 40 min
